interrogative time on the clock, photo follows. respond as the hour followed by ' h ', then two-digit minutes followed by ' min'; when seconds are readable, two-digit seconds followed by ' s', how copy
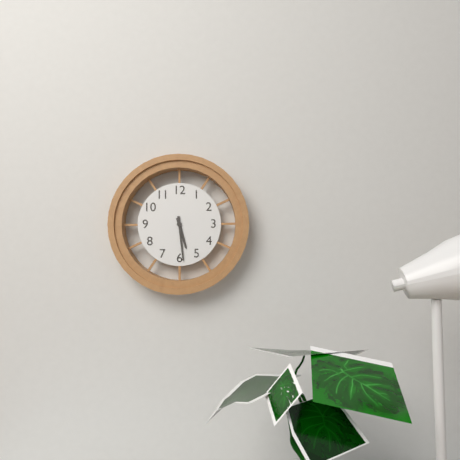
5 h 29 min
